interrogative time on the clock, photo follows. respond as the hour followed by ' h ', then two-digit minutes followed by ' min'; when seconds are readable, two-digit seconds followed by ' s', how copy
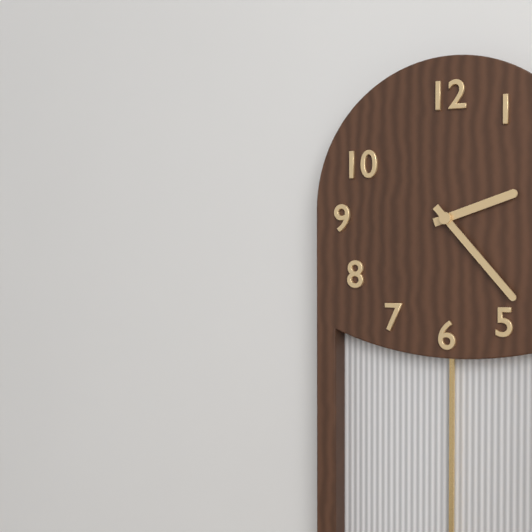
2 h 23 min
